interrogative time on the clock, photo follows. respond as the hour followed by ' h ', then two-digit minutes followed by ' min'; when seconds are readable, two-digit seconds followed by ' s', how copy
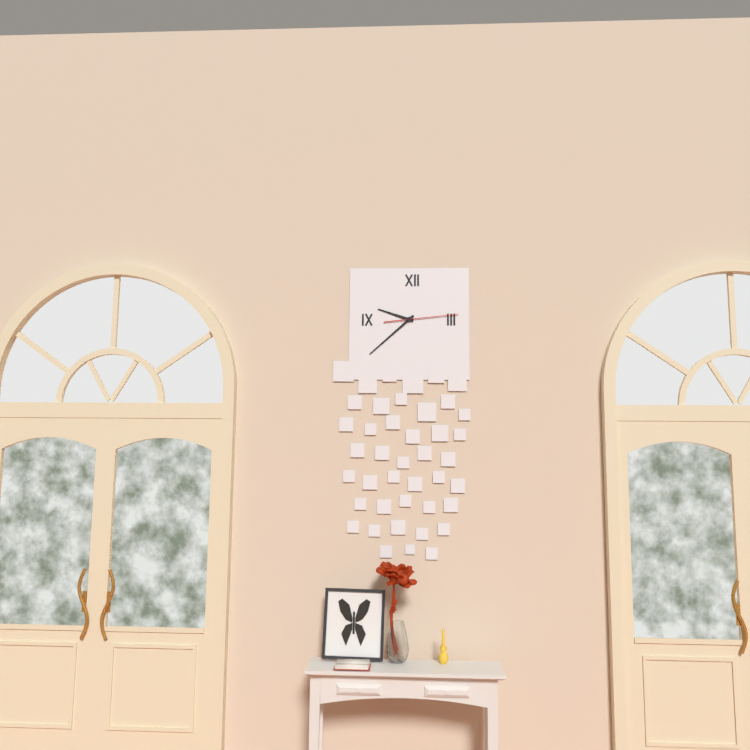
9 h 38 min 14 s
